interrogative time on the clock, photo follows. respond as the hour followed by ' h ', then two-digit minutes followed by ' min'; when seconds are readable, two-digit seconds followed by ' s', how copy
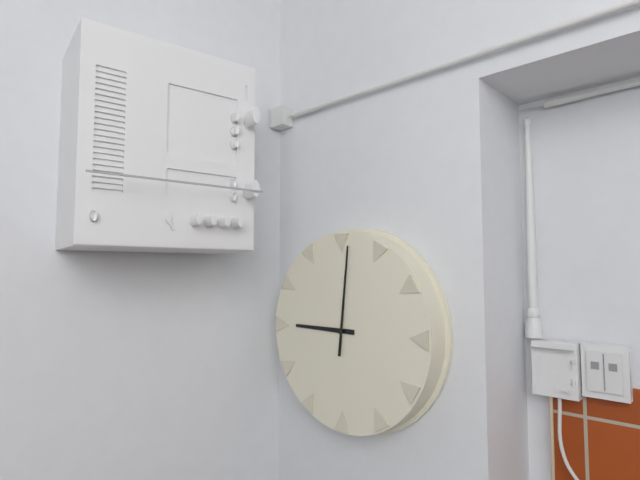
9 h 01 min
